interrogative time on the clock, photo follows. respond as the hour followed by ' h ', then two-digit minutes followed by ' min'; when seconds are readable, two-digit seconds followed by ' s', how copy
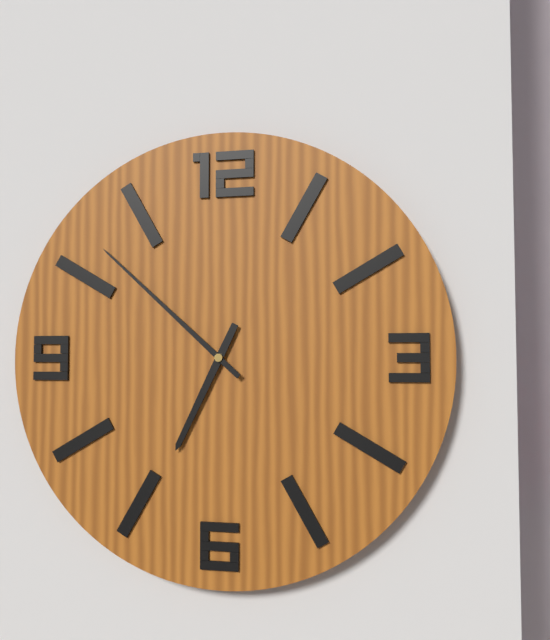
6 h 52 min
